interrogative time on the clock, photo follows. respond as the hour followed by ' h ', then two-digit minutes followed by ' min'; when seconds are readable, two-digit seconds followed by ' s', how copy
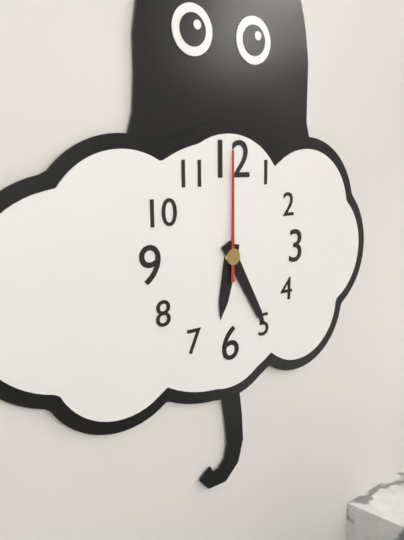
6 h 25 min 00 s
